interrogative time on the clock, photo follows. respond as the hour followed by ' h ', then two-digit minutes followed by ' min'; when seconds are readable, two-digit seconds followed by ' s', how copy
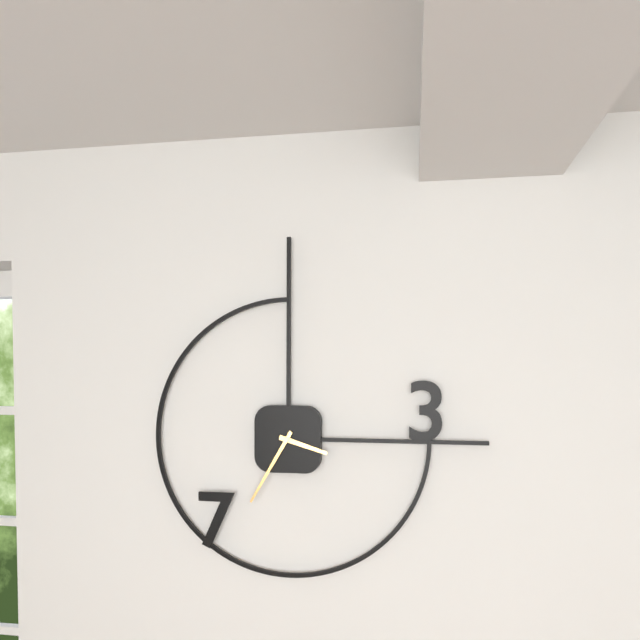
3 h 35 min
